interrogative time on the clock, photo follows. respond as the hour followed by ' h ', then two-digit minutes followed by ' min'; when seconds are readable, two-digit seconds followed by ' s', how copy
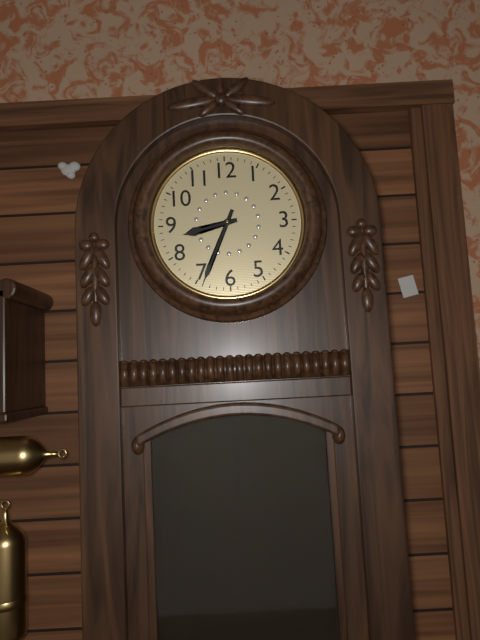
8 h 34 min
